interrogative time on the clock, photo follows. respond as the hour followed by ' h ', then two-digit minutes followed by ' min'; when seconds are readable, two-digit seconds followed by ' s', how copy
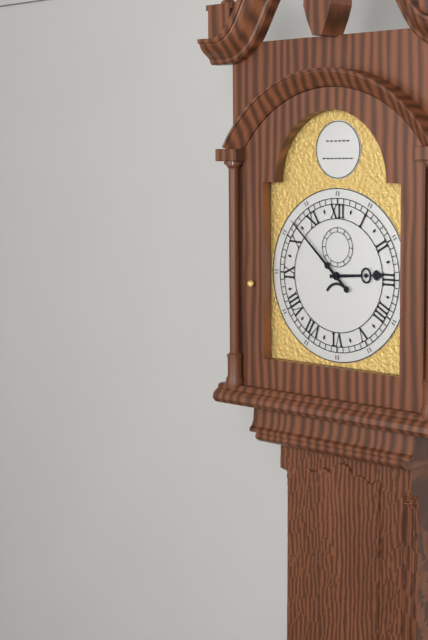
2 h 52 min
